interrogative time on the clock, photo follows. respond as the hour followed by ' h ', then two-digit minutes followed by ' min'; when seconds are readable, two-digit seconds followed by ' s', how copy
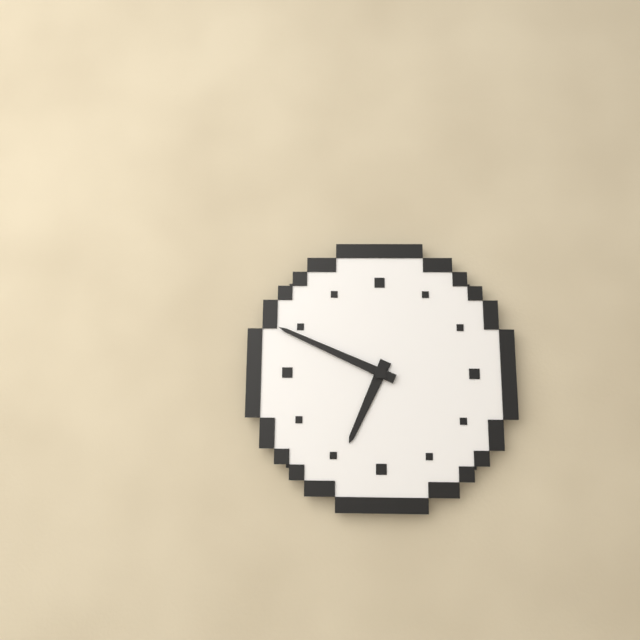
6 h 49 min
